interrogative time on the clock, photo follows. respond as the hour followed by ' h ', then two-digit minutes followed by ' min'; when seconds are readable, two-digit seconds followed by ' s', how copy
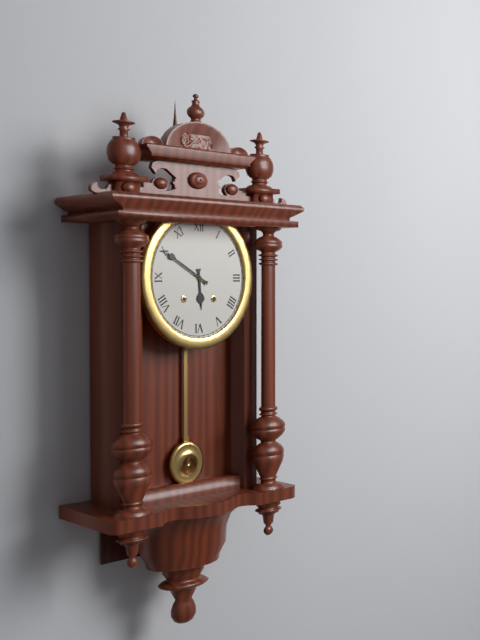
5 h 50 min
